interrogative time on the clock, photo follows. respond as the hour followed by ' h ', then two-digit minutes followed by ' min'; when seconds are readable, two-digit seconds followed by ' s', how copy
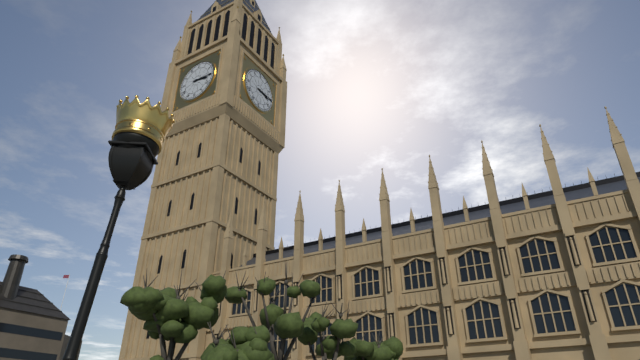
3 h 15 min
